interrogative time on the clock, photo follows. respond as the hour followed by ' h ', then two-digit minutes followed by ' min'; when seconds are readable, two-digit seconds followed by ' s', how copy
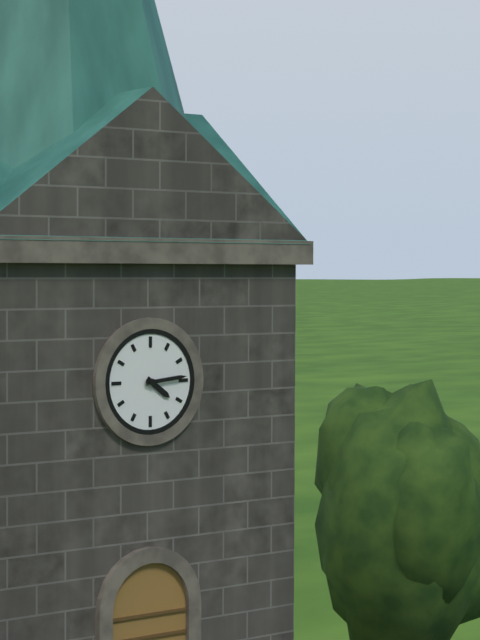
4 h 14 min
